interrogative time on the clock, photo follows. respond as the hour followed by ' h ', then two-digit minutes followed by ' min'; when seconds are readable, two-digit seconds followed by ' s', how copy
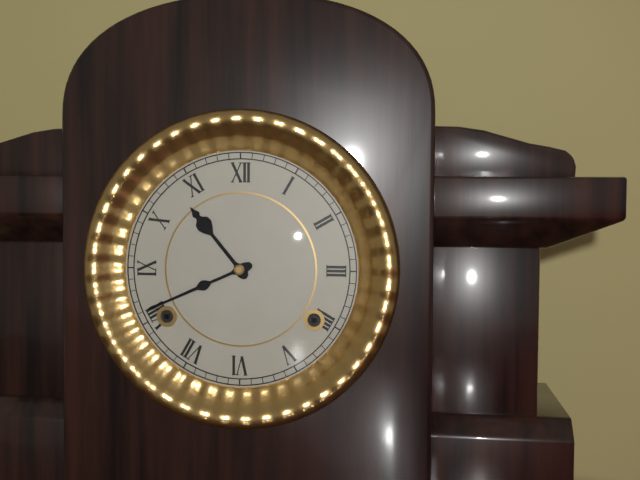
10 h 41 min
